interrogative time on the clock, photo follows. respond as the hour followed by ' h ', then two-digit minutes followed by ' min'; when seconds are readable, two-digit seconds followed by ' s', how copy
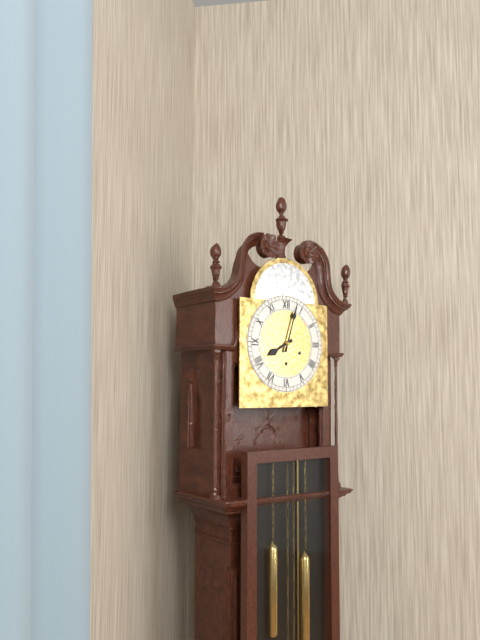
8 h 03 min
